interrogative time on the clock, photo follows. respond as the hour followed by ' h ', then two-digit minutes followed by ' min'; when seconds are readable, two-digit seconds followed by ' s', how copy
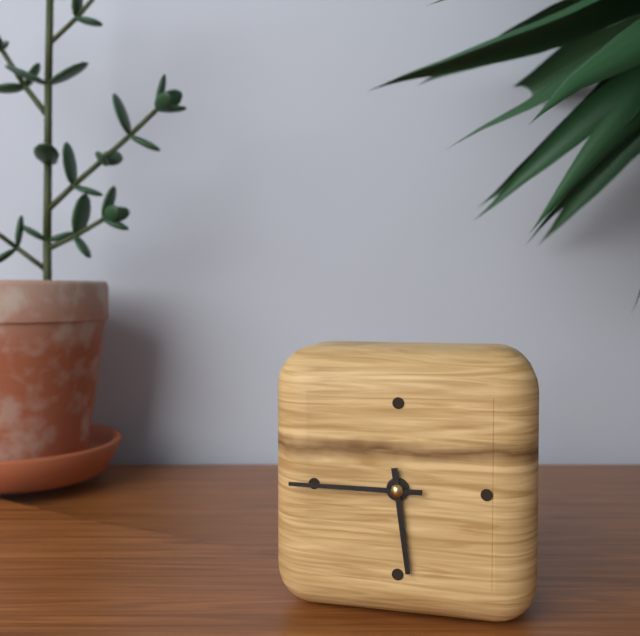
5 h 45 min
